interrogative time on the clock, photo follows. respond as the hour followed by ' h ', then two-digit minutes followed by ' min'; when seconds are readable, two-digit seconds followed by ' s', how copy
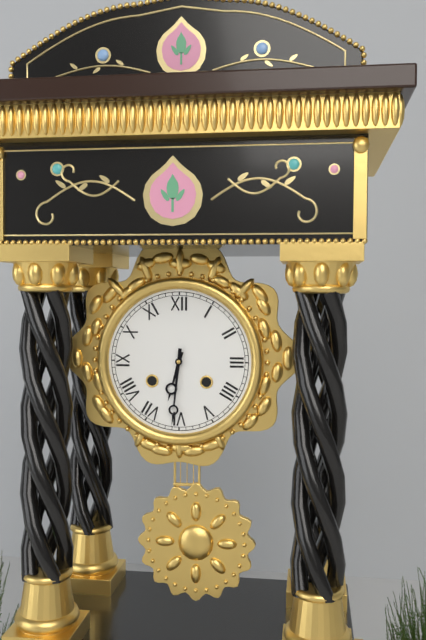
6 h 31 min
